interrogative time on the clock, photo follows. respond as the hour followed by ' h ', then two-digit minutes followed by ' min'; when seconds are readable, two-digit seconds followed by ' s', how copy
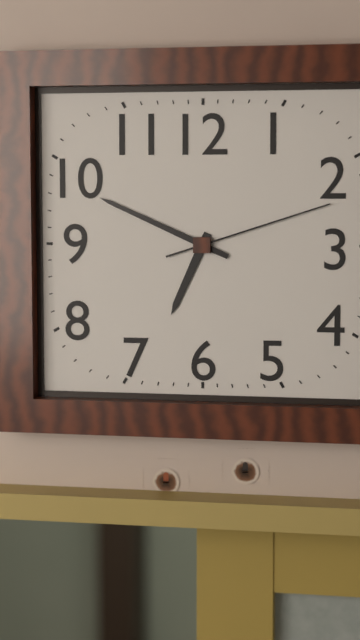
6 h 49 min 12 s
